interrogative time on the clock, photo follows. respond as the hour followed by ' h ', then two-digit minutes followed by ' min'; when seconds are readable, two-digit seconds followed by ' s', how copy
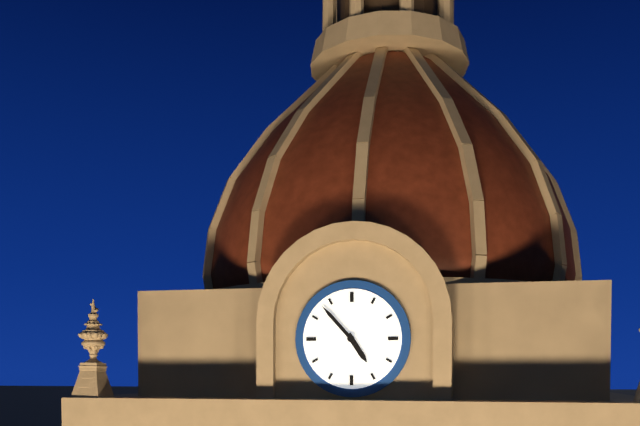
4 h 53 min
